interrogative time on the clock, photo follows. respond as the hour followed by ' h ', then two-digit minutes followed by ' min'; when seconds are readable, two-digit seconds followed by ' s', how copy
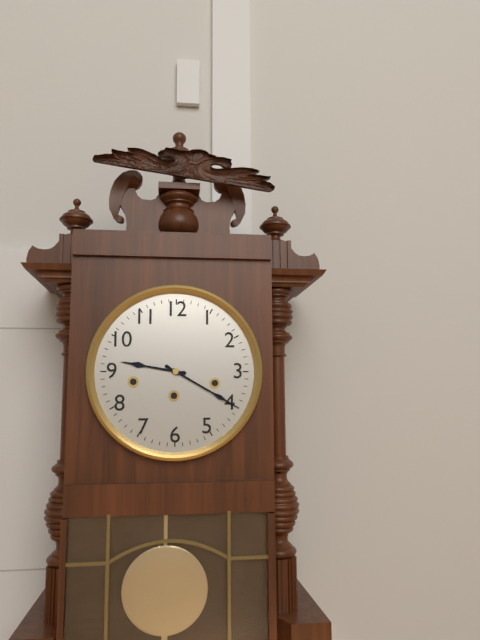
9 h 20 min
